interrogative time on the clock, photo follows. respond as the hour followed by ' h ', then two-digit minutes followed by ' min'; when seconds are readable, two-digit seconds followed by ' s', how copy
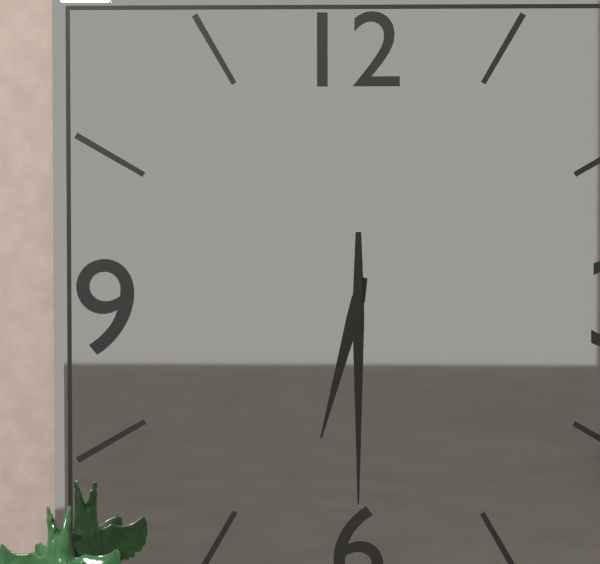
6 h 30 min
